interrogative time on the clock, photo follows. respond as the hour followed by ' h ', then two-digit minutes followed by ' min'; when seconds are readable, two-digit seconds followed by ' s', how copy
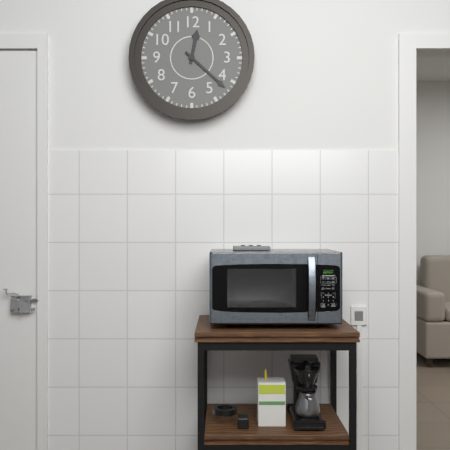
12 h 22 min
